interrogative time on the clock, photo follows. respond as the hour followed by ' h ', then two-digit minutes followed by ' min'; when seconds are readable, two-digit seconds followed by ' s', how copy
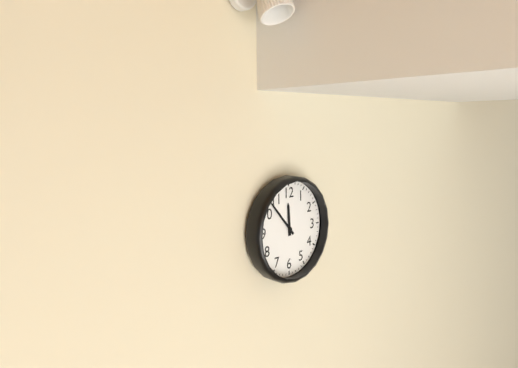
11 h 53 min
